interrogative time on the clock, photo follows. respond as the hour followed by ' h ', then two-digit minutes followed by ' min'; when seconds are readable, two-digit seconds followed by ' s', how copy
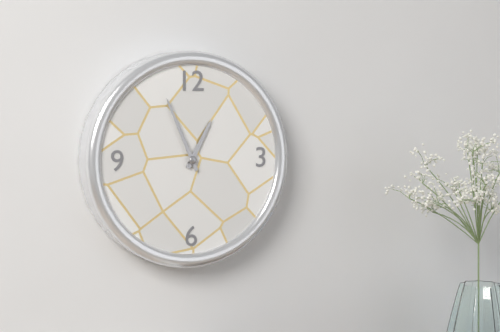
12 h 56 min
